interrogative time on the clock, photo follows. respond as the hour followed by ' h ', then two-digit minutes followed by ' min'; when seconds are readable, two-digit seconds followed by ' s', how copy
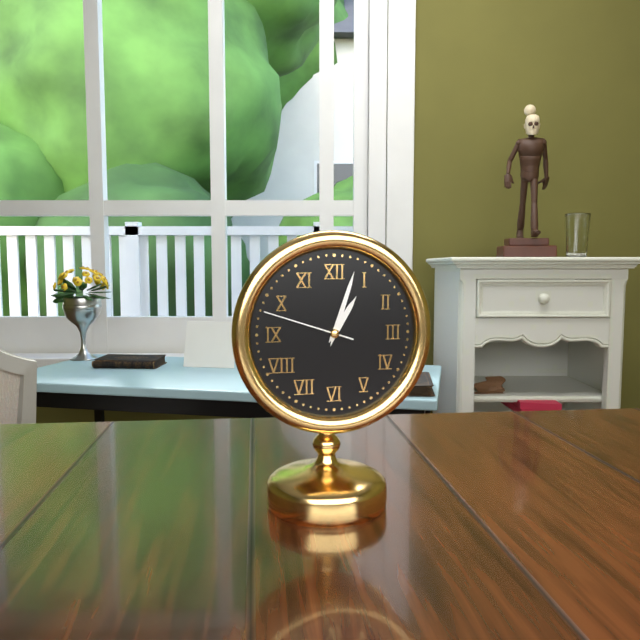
1 h 03 min 48 s
